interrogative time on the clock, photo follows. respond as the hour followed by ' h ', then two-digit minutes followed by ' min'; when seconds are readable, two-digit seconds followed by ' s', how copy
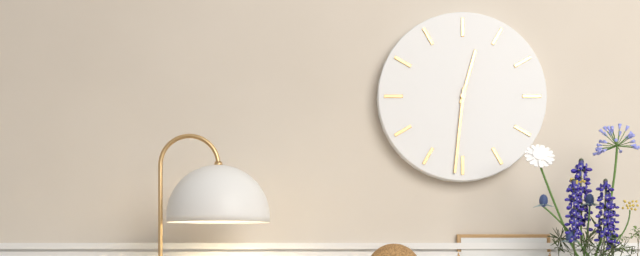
12 h 31 min
